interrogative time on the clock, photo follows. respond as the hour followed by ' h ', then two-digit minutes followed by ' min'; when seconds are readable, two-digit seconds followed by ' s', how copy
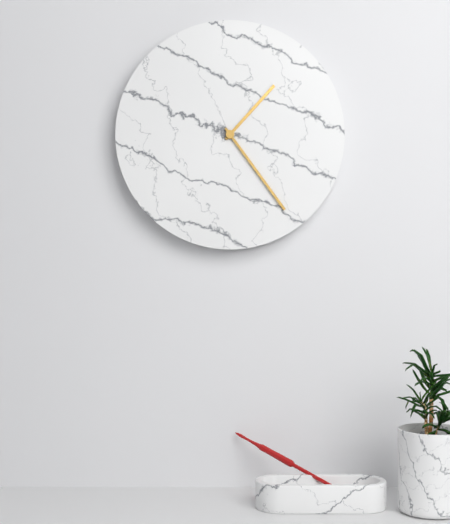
1 h 24 min
